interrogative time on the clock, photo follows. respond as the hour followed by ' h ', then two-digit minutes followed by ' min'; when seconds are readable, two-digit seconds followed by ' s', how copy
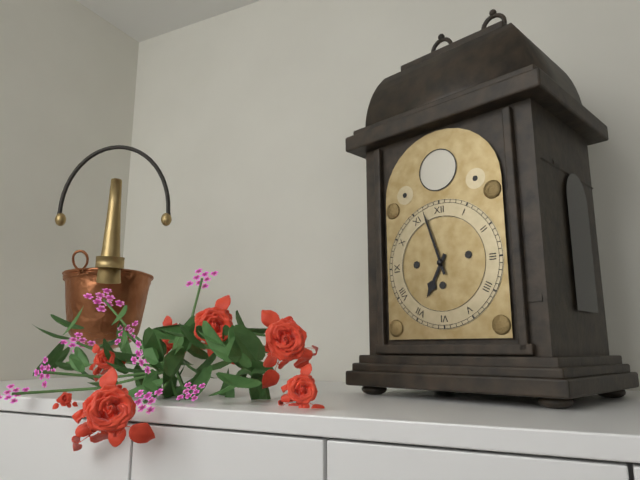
6 h 57 min
